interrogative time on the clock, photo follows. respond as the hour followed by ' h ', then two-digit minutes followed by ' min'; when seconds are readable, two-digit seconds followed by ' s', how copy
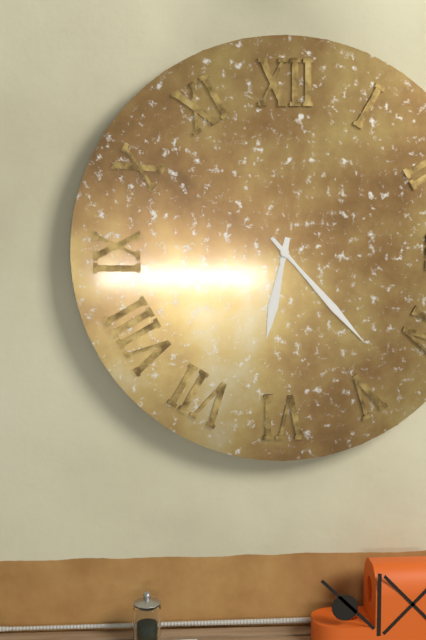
6 h 23 min
